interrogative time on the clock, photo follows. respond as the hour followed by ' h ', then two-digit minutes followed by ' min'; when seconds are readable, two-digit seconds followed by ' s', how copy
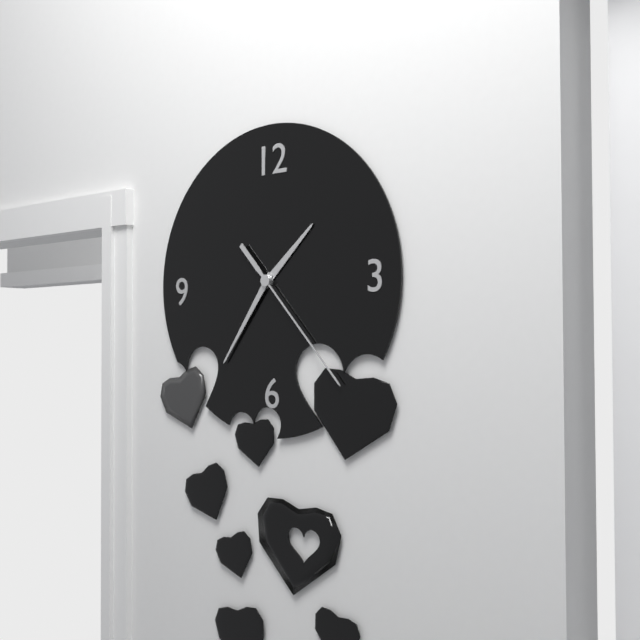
1 h 36 min 23 s
